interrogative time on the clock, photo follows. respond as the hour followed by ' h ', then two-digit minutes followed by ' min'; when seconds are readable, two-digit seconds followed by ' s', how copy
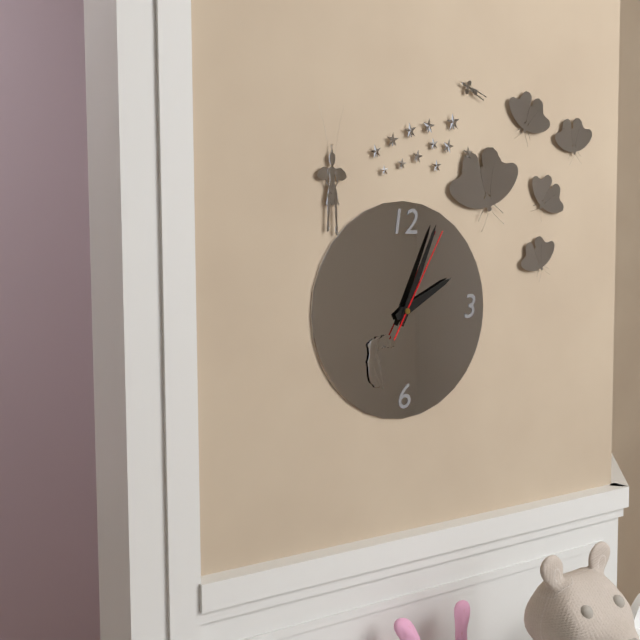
2 h 04 min 05 s
